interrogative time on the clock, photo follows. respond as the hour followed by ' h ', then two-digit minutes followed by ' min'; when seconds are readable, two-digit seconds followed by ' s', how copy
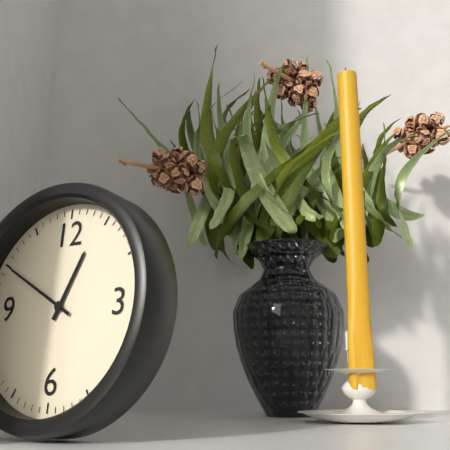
12 h 50 min
